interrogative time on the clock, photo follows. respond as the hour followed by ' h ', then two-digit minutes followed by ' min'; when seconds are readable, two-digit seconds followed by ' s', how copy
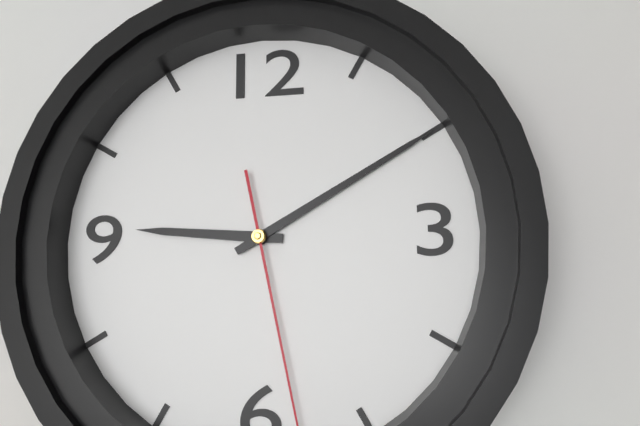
9 h 10 min
